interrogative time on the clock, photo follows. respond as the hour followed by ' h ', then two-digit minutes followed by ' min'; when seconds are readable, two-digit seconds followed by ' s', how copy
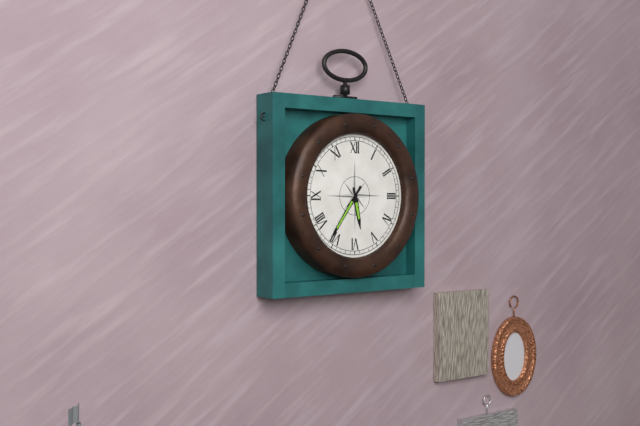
5 h 36 min
